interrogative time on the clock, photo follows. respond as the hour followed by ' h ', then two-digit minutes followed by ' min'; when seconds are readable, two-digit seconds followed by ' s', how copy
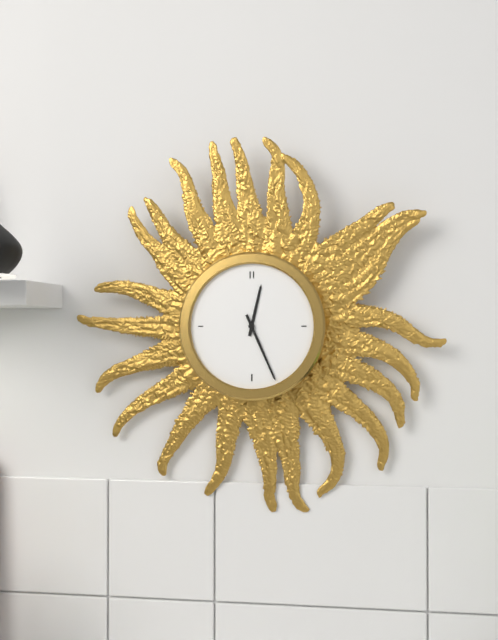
12 h 26 min
